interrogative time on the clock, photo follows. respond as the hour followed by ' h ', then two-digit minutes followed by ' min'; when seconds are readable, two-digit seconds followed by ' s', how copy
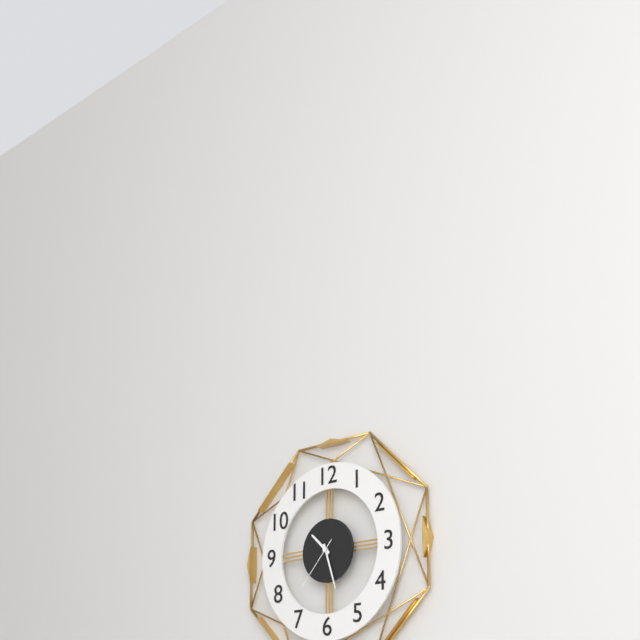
10 h 27 min 37 s
